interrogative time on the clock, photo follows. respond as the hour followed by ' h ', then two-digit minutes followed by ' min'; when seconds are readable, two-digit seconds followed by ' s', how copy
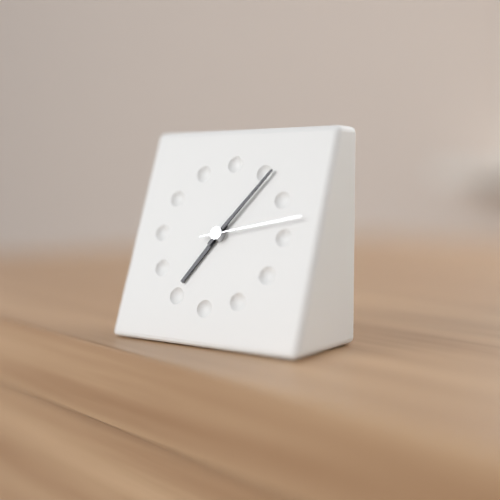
7 h 06 min 13 s
